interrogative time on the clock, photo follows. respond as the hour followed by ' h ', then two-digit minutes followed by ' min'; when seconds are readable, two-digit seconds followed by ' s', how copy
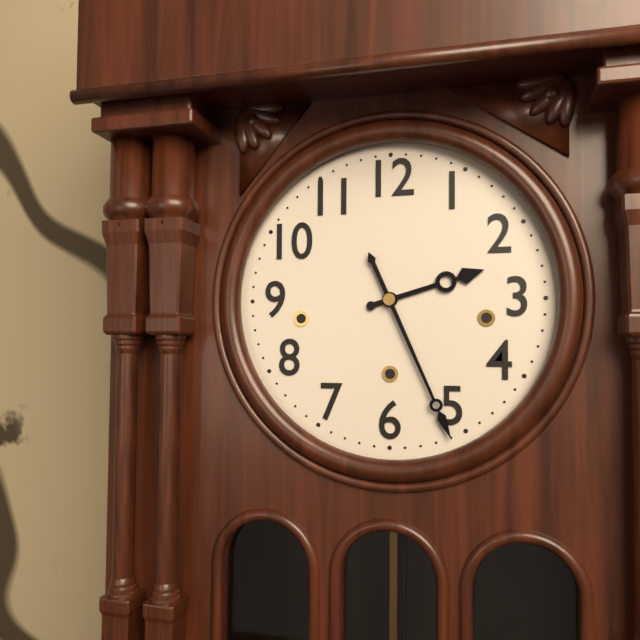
2 h 26 min
